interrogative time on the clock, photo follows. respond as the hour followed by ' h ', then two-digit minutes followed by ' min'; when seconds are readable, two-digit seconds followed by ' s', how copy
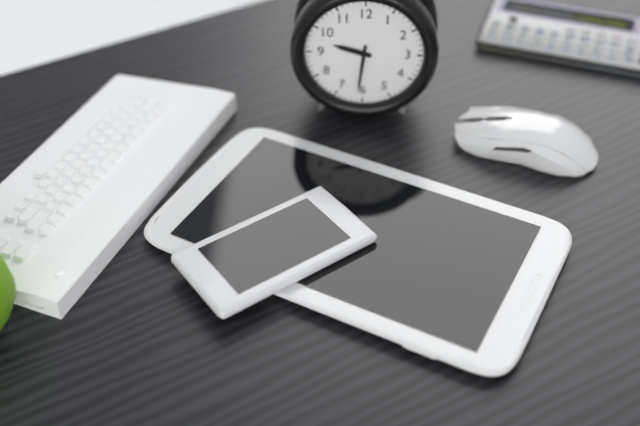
9 h 31 min
